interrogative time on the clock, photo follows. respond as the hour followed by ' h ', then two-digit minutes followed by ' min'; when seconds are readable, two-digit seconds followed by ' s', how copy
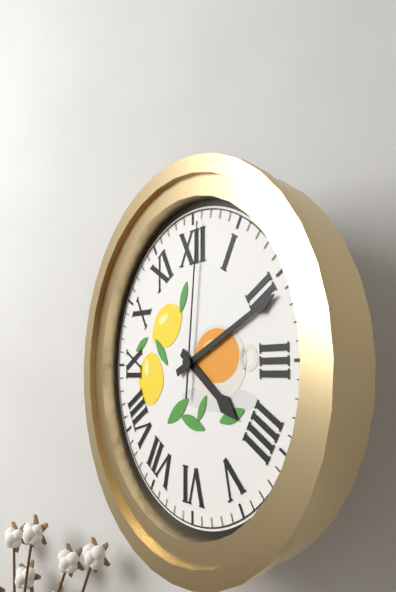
4 h 11 min 01 s
